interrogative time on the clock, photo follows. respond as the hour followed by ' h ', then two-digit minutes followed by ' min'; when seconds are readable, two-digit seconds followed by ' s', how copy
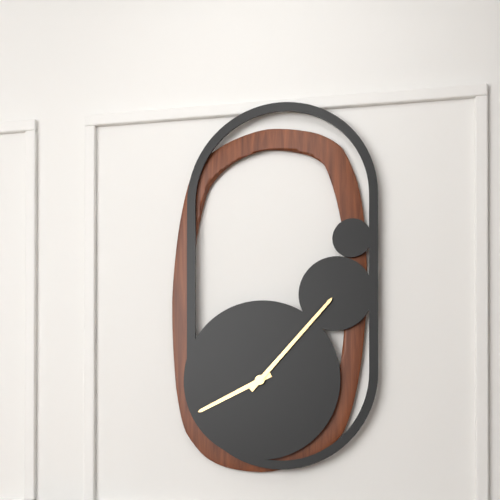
8 h 07 min
